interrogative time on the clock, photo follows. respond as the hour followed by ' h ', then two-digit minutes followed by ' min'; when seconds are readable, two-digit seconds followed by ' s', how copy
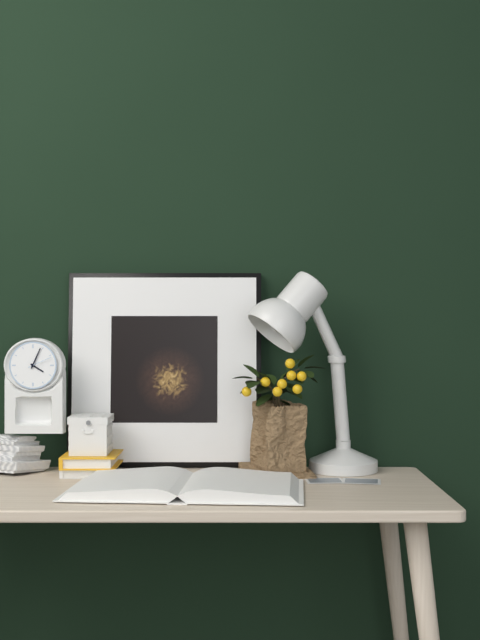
4 h 04 min
